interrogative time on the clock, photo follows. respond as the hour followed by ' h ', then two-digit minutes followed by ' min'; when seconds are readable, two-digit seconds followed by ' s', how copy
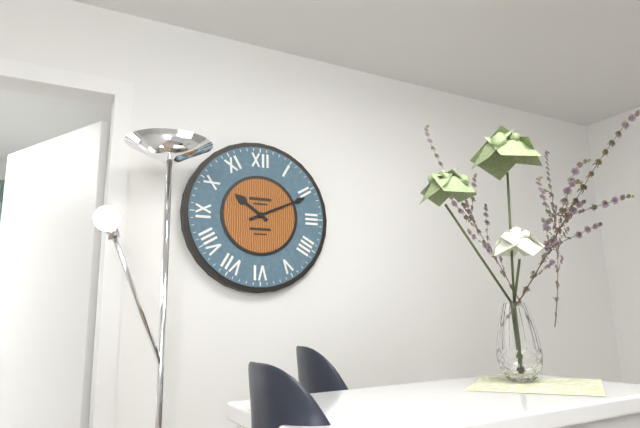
10 h 11 min
